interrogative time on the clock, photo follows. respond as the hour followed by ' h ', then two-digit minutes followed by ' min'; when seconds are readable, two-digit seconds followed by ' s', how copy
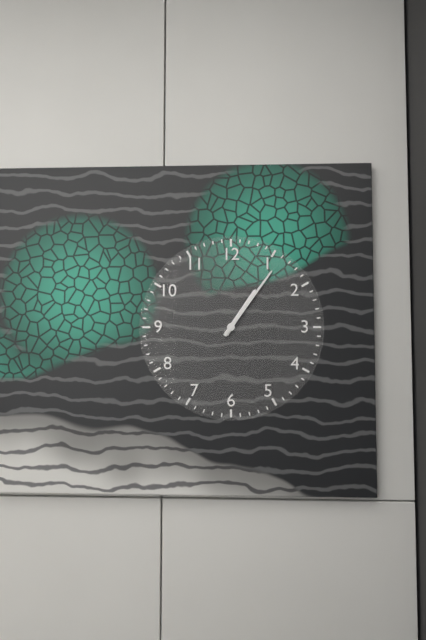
1 h 06 min
